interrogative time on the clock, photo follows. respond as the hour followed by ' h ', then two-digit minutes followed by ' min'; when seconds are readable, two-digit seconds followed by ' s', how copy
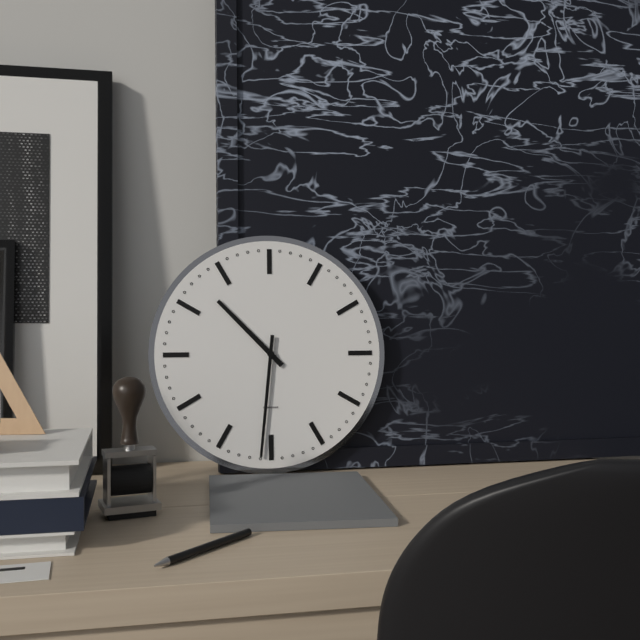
10 h 31 min
